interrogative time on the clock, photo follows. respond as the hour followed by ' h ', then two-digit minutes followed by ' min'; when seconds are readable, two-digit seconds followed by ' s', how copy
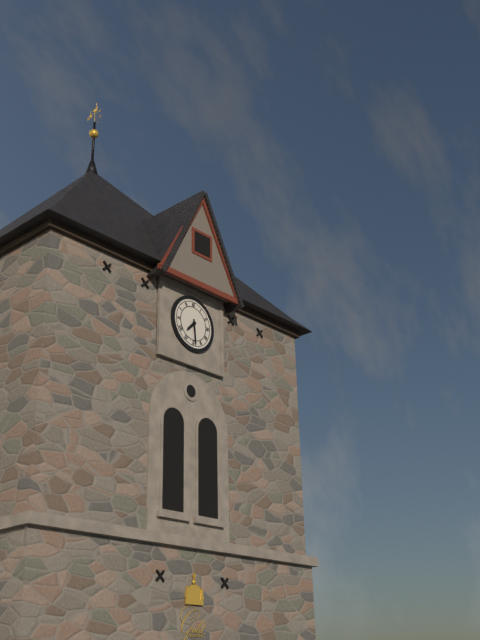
7 h 29 min
